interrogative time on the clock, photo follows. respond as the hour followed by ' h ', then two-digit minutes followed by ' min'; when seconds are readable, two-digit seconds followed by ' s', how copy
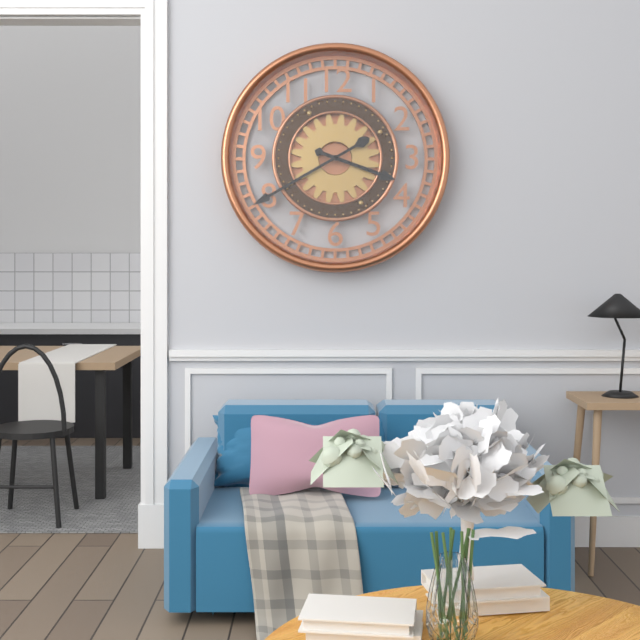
3 h 40 min
